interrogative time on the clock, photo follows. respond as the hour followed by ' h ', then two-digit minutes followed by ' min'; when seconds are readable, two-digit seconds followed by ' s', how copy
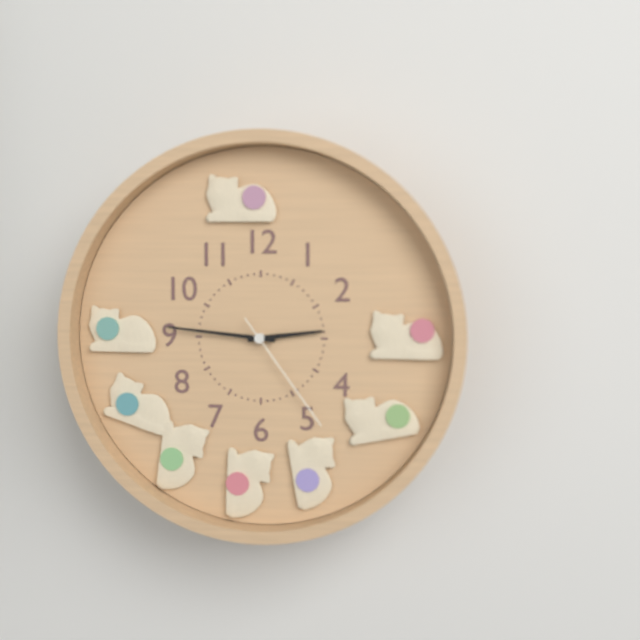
2 h 46 min 24 s
